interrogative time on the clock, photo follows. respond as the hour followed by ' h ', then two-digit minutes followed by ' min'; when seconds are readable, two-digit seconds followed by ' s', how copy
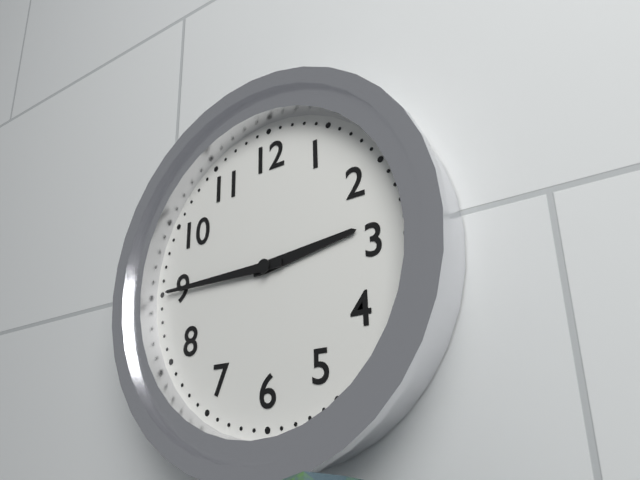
2 h 45 min
